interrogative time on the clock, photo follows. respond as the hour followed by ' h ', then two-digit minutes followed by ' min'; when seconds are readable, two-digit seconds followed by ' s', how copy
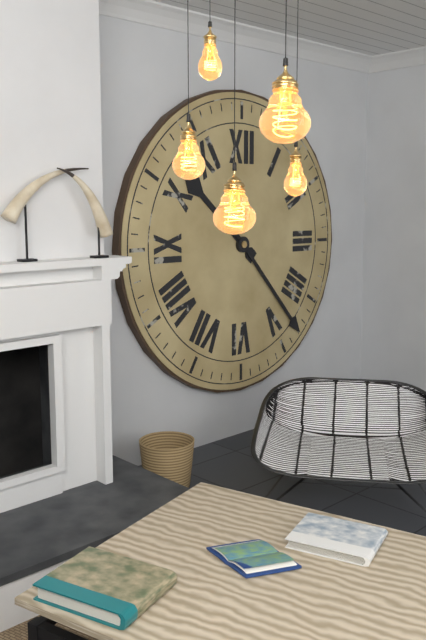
10 h 23 min
